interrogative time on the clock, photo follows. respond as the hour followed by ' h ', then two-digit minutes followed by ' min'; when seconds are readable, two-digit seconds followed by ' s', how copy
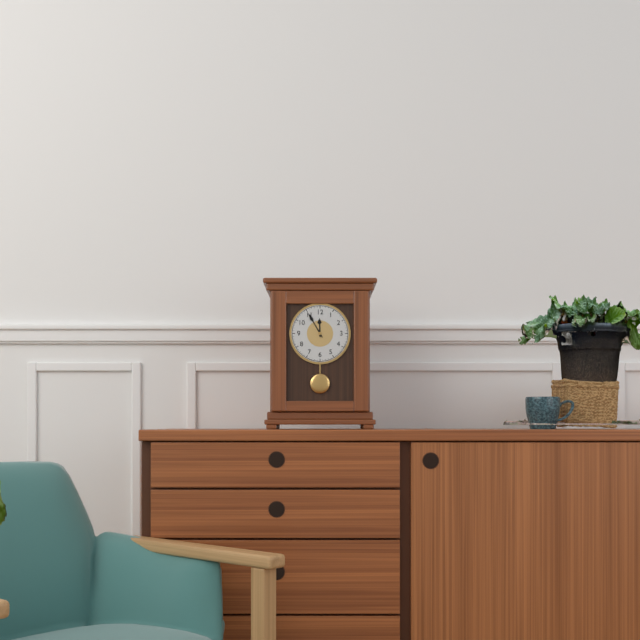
11 h 55 min
